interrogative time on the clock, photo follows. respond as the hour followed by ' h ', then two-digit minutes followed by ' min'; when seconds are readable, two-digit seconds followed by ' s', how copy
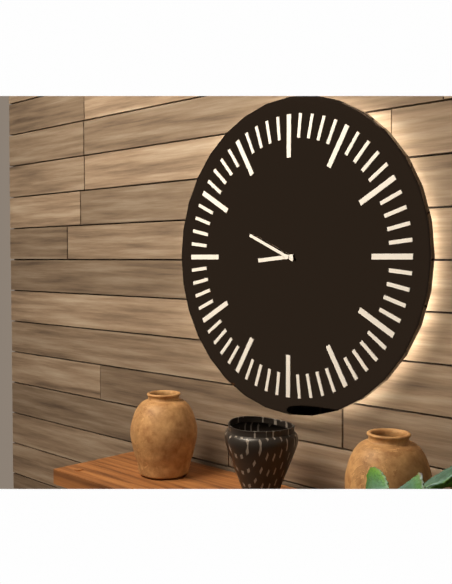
8 h 49 min
